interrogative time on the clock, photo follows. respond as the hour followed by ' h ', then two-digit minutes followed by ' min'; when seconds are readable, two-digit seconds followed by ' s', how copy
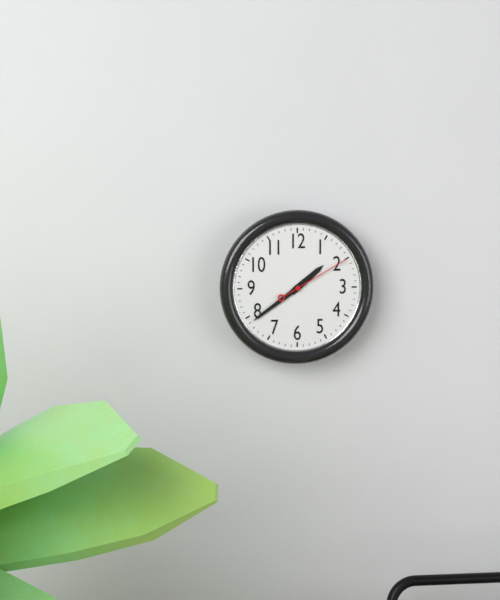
1 h 39 min 10 s
